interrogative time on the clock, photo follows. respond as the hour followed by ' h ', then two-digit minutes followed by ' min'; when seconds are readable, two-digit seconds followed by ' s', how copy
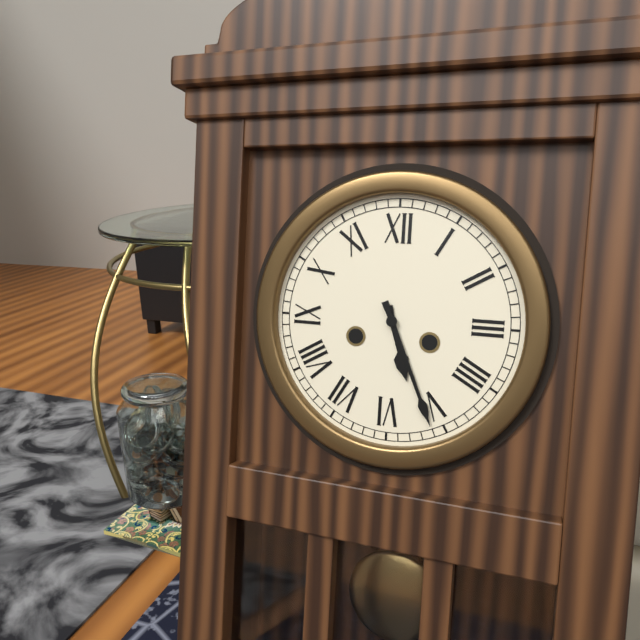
5 h 26 min
